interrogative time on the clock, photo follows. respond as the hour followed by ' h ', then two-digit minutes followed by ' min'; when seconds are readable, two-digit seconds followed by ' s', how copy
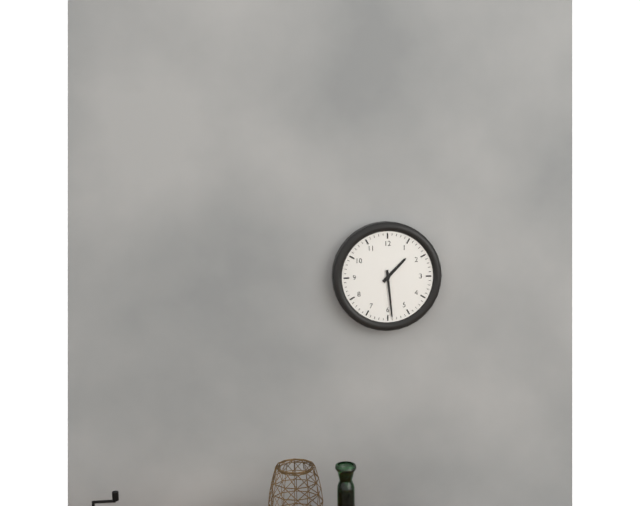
1 h 29 min
